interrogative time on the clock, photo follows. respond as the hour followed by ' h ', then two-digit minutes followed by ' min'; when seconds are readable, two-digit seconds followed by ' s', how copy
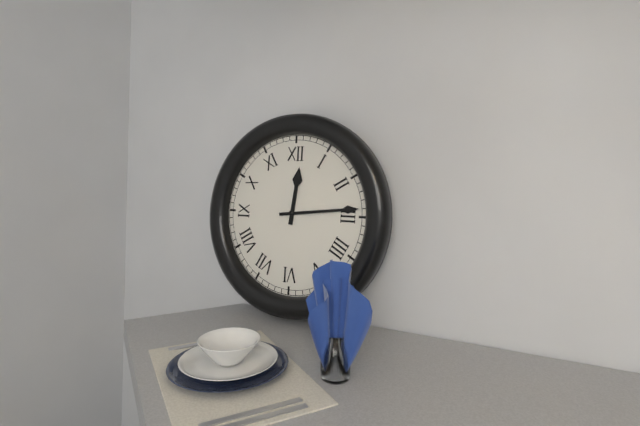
12 h 14 min
